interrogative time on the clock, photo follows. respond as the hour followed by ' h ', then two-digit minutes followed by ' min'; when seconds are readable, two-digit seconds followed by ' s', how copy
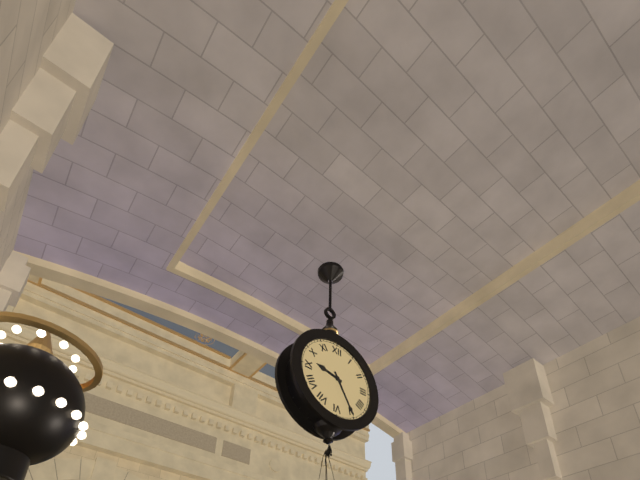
9 h 25 min
